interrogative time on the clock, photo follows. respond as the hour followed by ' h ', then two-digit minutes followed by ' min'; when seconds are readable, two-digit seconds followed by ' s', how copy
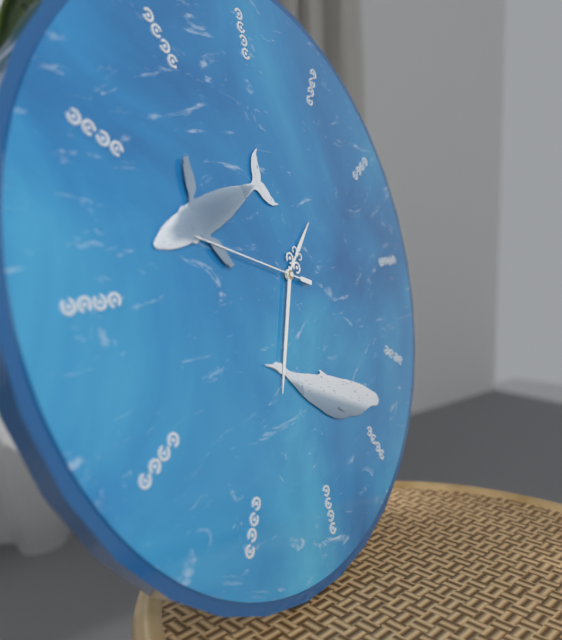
1 h 34 min 48 s
